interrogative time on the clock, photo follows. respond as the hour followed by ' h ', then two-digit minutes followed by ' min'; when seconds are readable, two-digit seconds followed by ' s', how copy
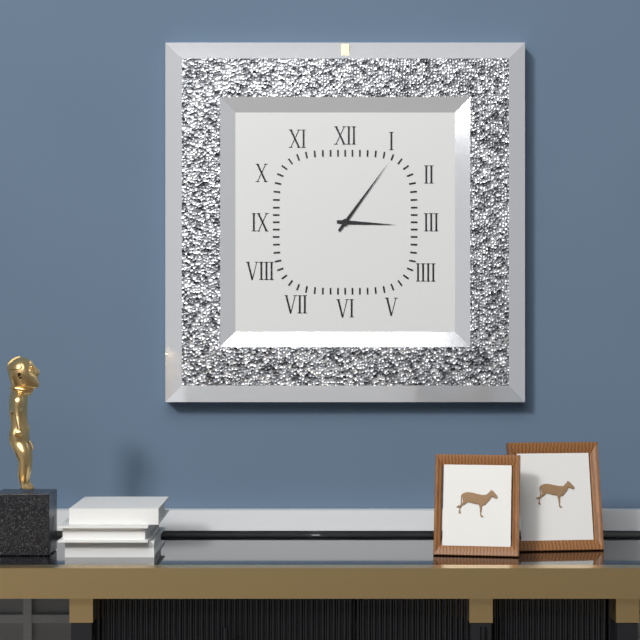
3 h 06 min
